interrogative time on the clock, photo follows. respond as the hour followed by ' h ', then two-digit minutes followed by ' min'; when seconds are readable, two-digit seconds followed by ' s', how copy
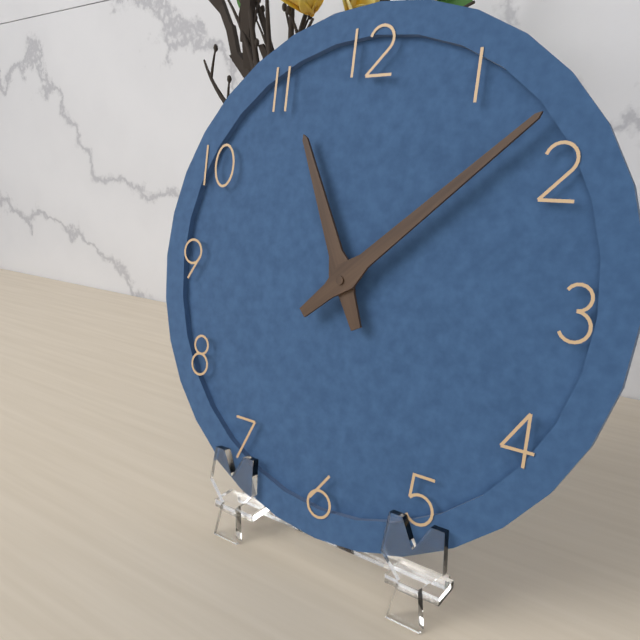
11 h 08 min
